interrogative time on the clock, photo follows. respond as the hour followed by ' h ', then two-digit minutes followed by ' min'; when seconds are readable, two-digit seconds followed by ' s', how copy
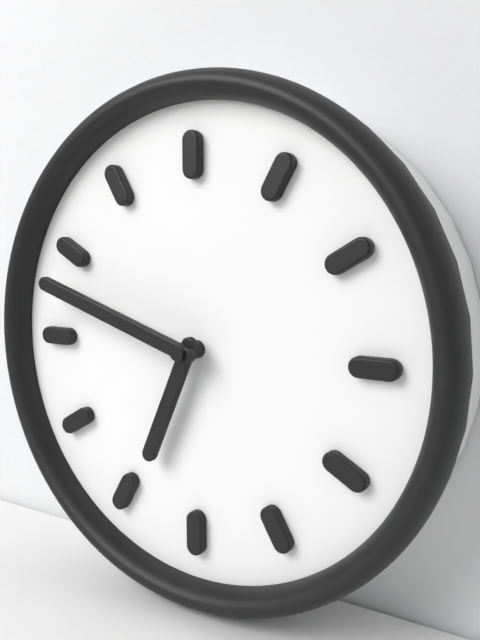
6 h 48 min
